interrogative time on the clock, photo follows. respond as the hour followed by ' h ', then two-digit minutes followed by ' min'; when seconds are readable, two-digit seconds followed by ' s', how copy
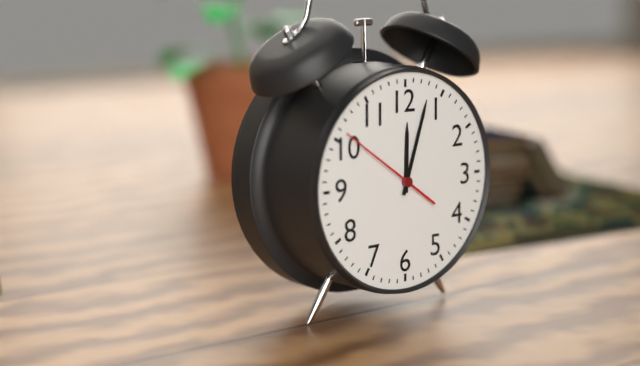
12 h 03 min 51 s
